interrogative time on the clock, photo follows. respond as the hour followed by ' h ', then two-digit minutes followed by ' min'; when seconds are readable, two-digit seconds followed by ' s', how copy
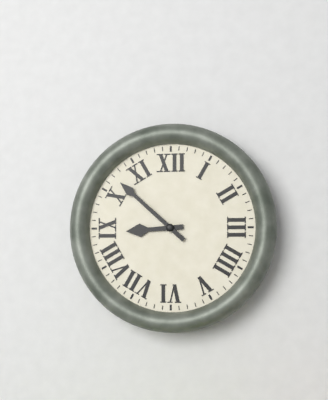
8 h 52 min
